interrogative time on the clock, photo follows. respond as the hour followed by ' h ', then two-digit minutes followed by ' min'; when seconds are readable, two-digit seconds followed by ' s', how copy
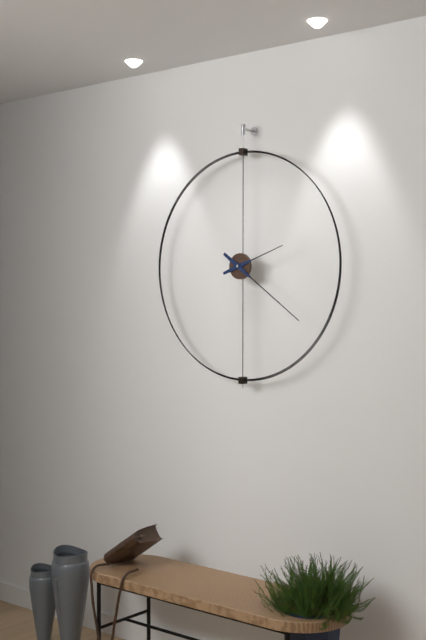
2 h 21 min
